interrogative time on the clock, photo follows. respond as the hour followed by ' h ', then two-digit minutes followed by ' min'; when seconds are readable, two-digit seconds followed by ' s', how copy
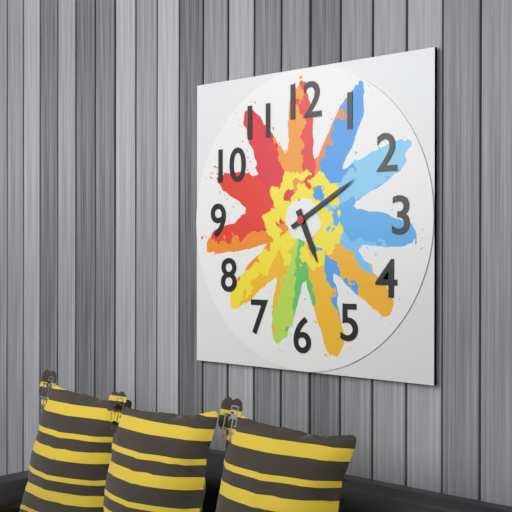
5 h 10 min
